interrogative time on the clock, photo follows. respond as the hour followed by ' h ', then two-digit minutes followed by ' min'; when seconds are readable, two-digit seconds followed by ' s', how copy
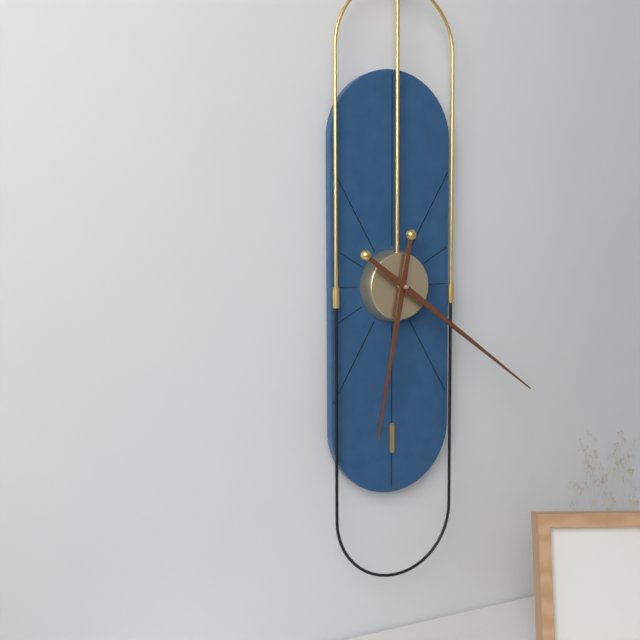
6 h 21 min
